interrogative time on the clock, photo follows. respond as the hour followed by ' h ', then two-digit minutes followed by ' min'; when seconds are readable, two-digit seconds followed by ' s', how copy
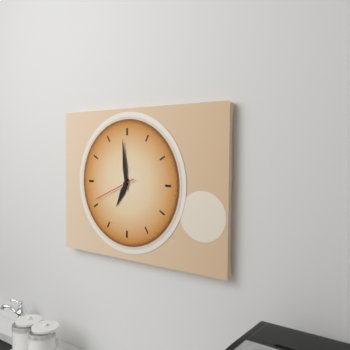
6 h 59 min
